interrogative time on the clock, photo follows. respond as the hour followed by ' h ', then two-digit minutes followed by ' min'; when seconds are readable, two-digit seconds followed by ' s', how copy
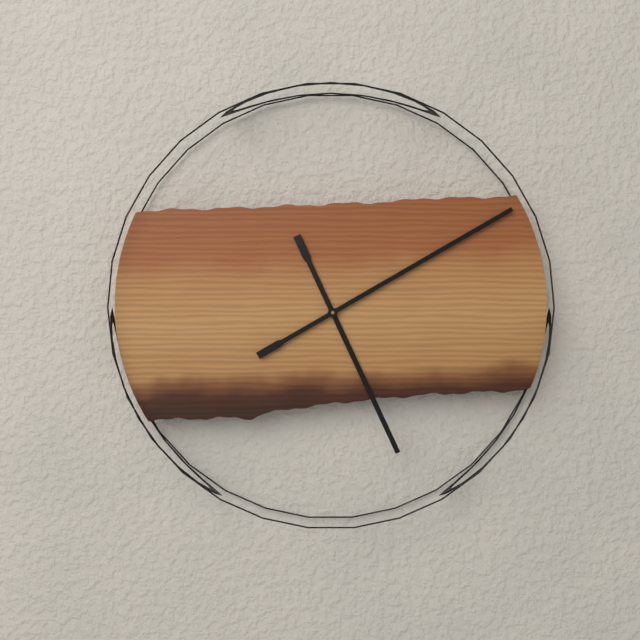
5 h 10 min
